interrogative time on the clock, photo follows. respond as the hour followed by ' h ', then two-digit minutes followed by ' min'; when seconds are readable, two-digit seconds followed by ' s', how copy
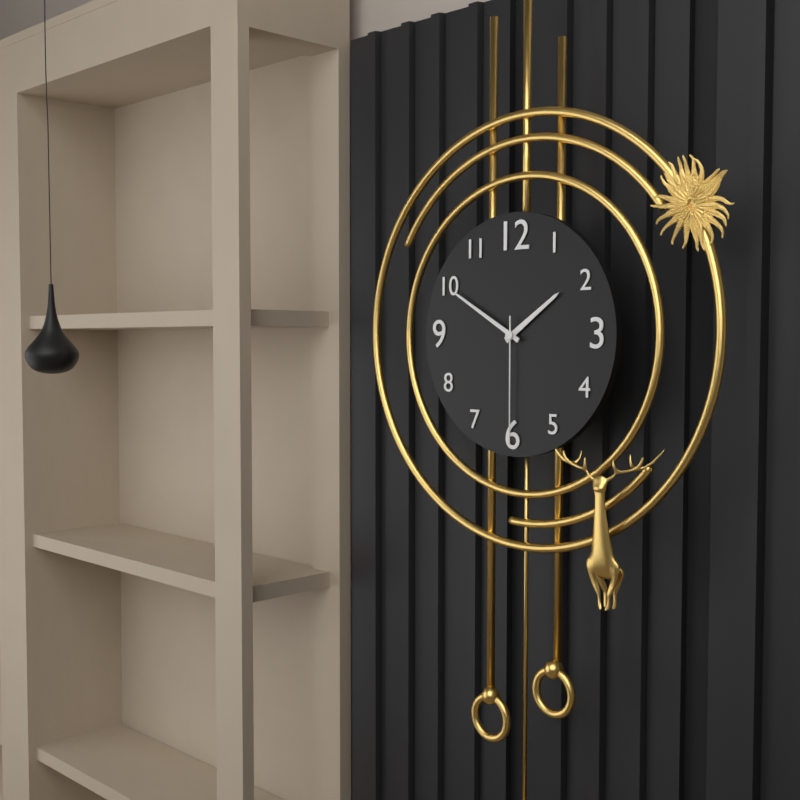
1 h 50 min 30 s
